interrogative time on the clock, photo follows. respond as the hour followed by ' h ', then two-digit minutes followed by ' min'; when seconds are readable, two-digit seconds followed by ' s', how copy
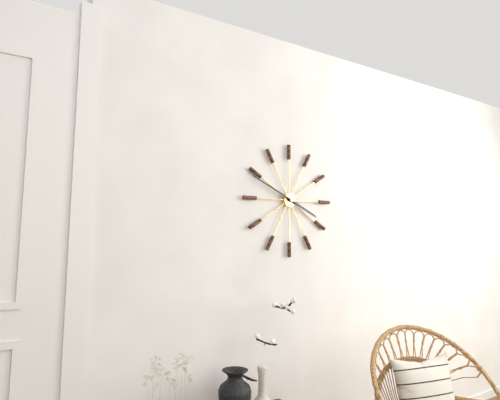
3 h 49 min
